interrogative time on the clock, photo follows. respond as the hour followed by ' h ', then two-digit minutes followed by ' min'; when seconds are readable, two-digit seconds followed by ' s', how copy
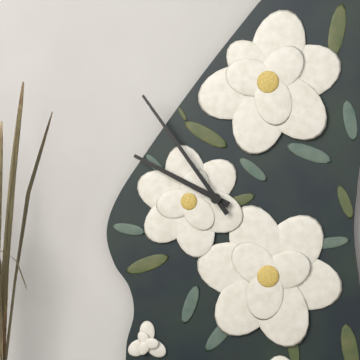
9 h 54 min
